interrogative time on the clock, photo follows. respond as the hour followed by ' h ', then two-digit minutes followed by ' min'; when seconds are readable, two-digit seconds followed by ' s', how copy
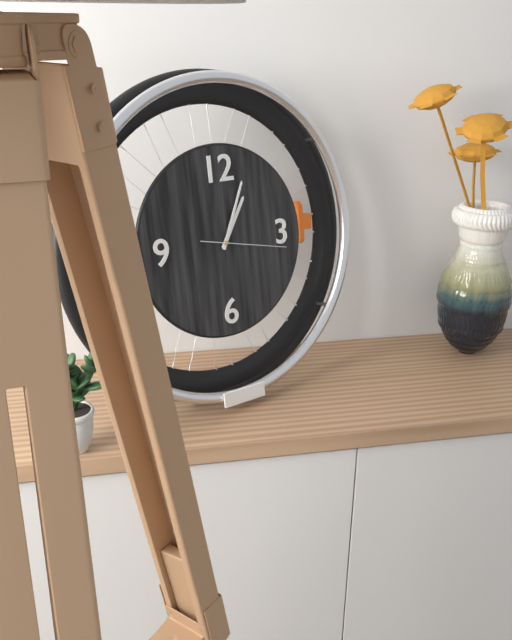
1 h 04 min 17 s
